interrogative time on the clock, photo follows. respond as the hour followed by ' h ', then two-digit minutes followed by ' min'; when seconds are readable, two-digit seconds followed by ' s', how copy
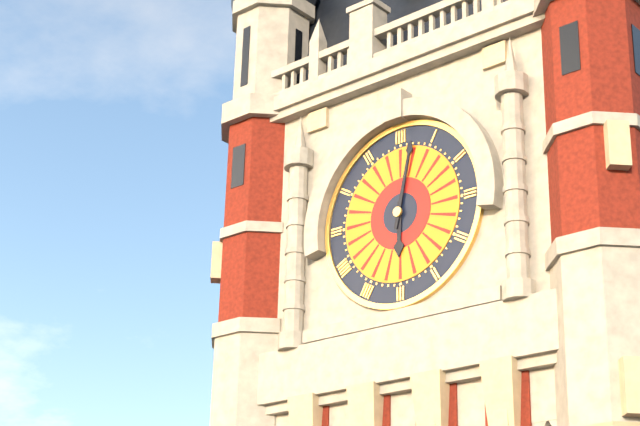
6 h 02 min
